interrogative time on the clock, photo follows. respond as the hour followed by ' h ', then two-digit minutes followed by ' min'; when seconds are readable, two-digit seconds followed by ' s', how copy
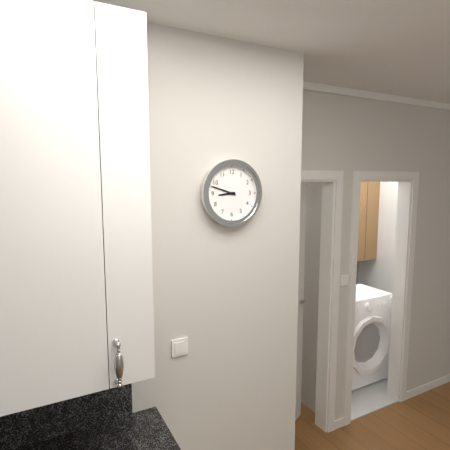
8 h 48 min
